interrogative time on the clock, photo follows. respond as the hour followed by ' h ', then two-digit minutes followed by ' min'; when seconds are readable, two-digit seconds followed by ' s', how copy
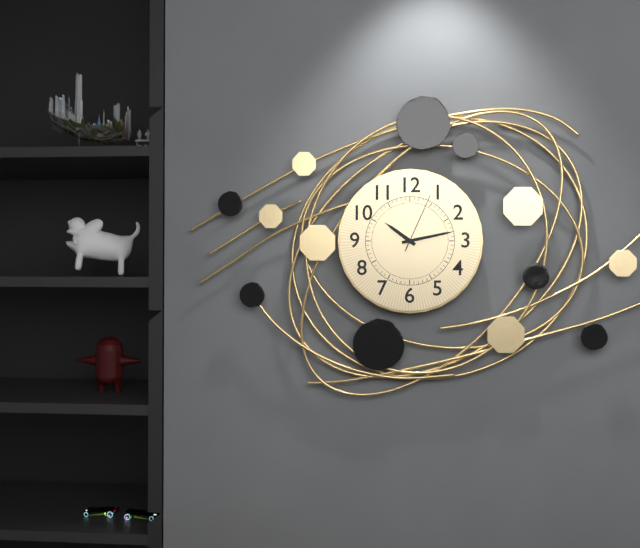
10 h 13 min 04 s
